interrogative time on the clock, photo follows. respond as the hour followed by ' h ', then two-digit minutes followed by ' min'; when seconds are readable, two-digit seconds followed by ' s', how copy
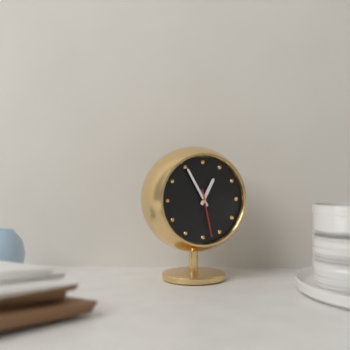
12 h 55 min
